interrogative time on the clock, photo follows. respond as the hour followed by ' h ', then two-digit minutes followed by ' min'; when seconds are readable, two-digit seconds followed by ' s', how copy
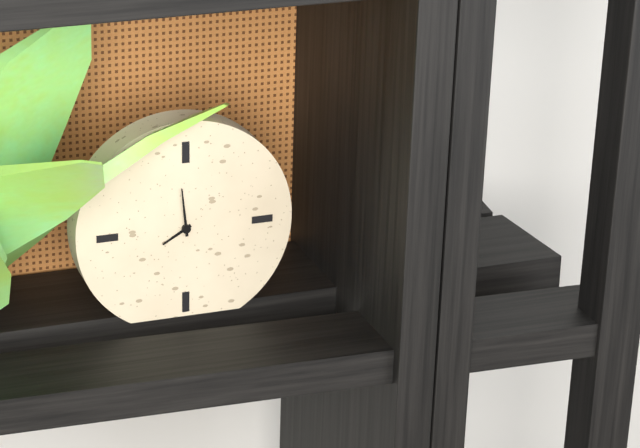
7 h 59 min
